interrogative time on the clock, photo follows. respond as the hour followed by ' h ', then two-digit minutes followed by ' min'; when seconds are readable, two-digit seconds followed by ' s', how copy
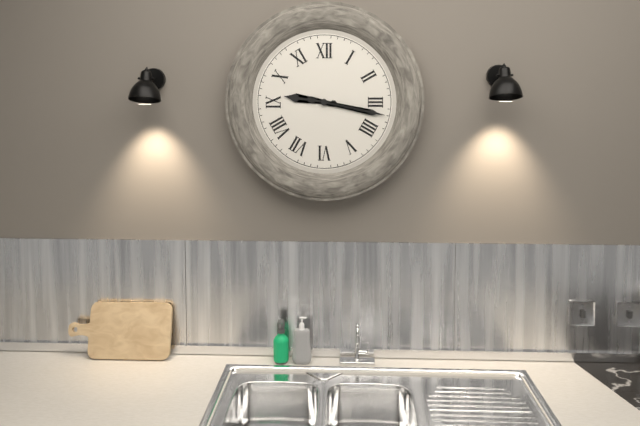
9 h 17 min
